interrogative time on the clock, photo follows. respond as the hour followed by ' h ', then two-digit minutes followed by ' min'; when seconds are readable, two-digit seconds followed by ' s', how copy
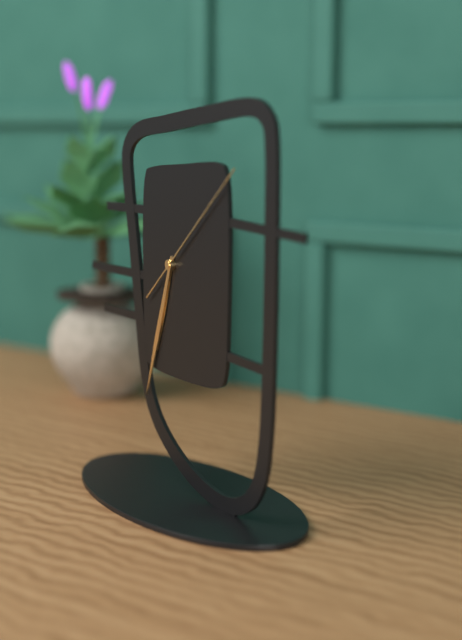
6 h 33 min 08 s
